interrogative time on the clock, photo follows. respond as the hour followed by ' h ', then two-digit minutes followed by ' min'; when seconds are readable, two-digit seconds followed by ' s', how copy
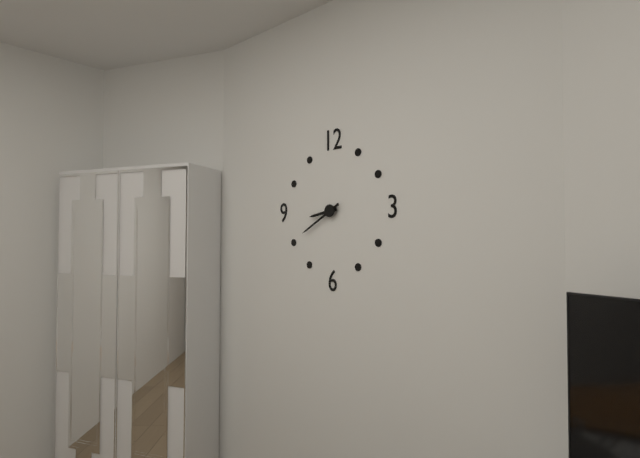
8 h 40 min
